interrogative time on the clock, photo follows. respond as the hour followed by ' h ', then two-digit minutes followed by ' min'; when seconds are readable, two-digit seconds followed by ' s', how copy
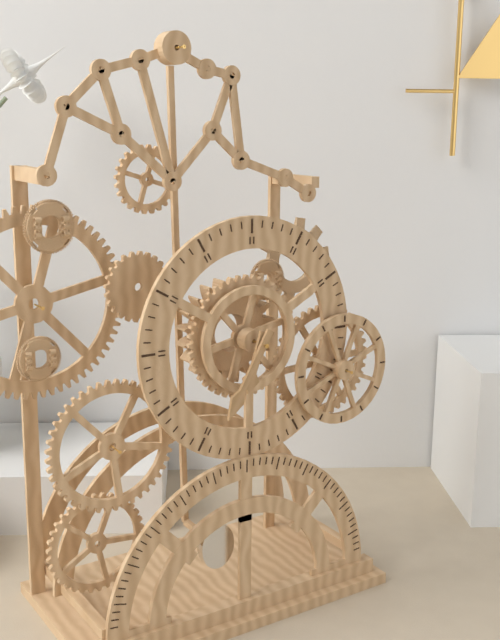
6 h 35 min
